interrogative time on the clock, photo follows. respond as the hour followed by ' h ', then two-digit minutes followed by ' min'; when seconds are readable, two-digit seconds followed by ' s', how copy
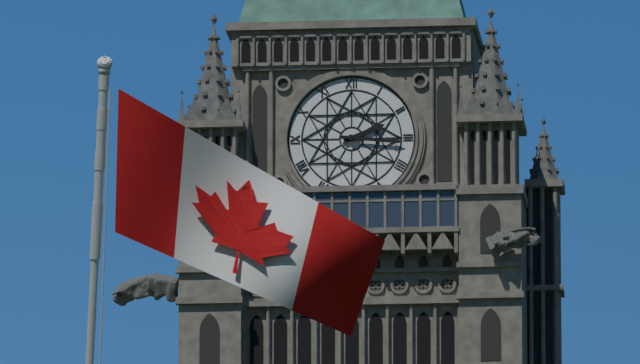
2 h 16 min
